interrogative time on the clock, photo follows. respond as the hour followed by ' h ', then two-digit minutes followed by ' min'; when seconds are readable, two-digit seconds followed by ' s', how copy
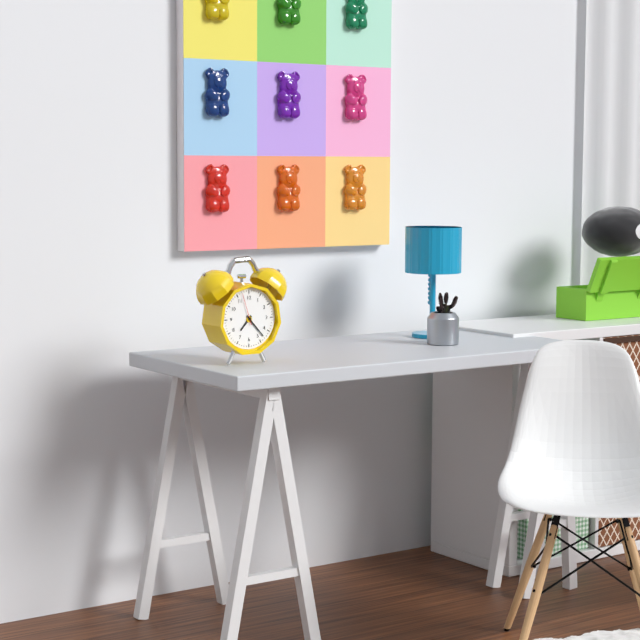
7 h 23 min
